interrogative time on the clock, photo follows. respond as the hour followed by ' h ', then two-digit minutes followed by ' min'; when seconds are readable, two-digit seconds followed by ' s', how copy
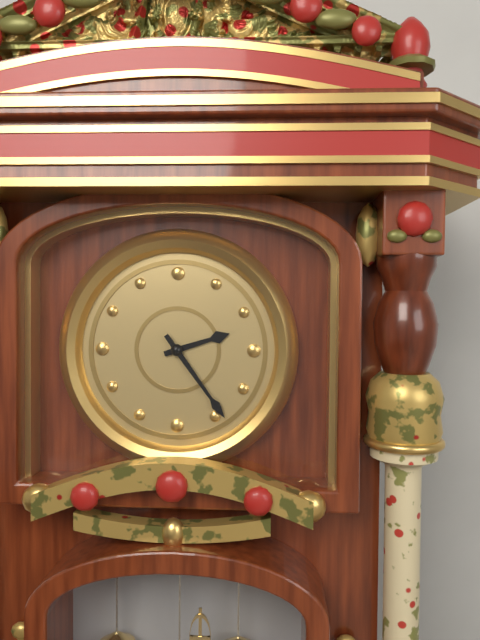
2 h 24 min
